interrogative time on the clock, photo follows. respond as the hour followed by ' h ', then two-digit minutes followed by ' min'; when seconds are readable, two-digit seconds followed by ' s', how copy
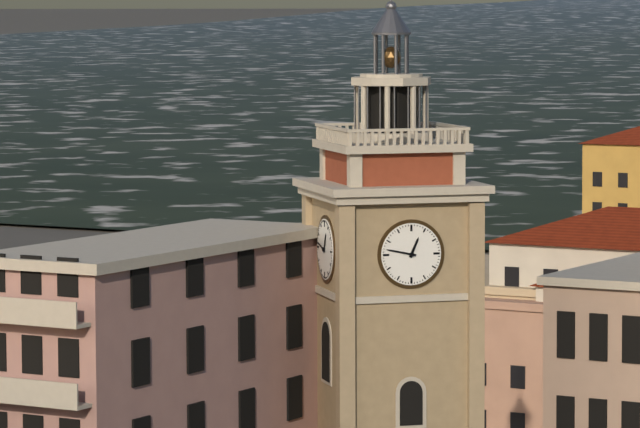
12 h 47 min
